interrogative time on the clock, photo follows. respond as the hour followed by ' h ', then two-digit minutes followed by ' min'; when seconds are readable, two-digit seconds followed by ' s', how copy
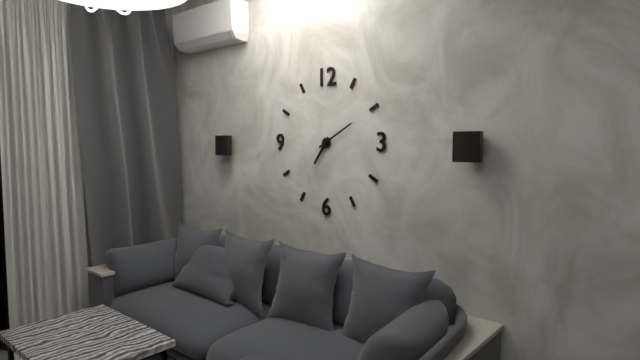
7 h 10 min
